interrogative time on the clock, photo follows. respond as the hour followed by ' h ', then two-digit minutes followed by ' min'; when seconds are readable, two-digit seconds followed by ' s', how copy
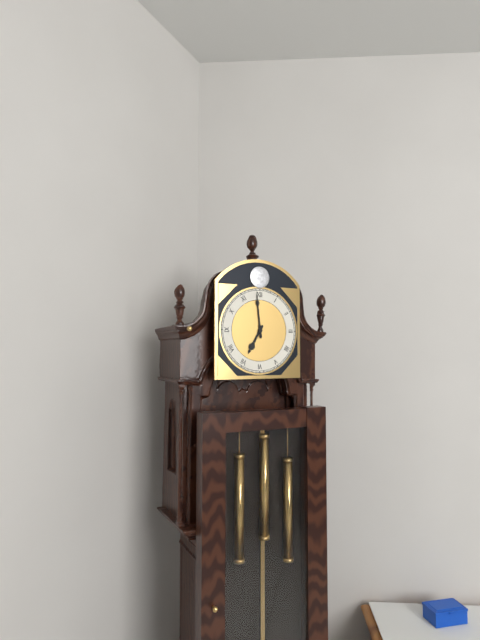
6 h 59 min
